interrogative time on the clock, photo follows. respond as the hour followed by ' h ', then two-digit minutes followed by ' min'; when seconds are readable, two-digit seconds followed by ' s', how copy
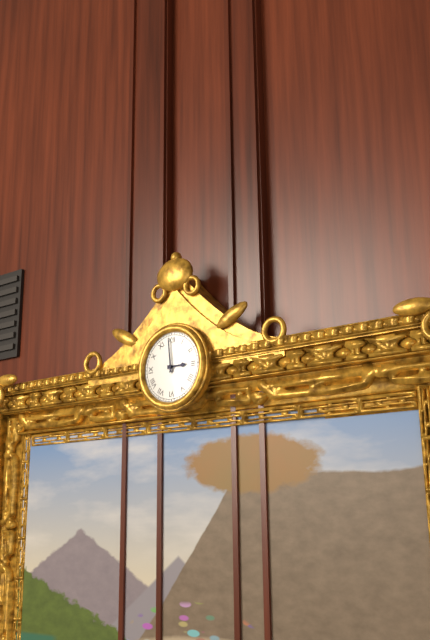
2 h 59 min
